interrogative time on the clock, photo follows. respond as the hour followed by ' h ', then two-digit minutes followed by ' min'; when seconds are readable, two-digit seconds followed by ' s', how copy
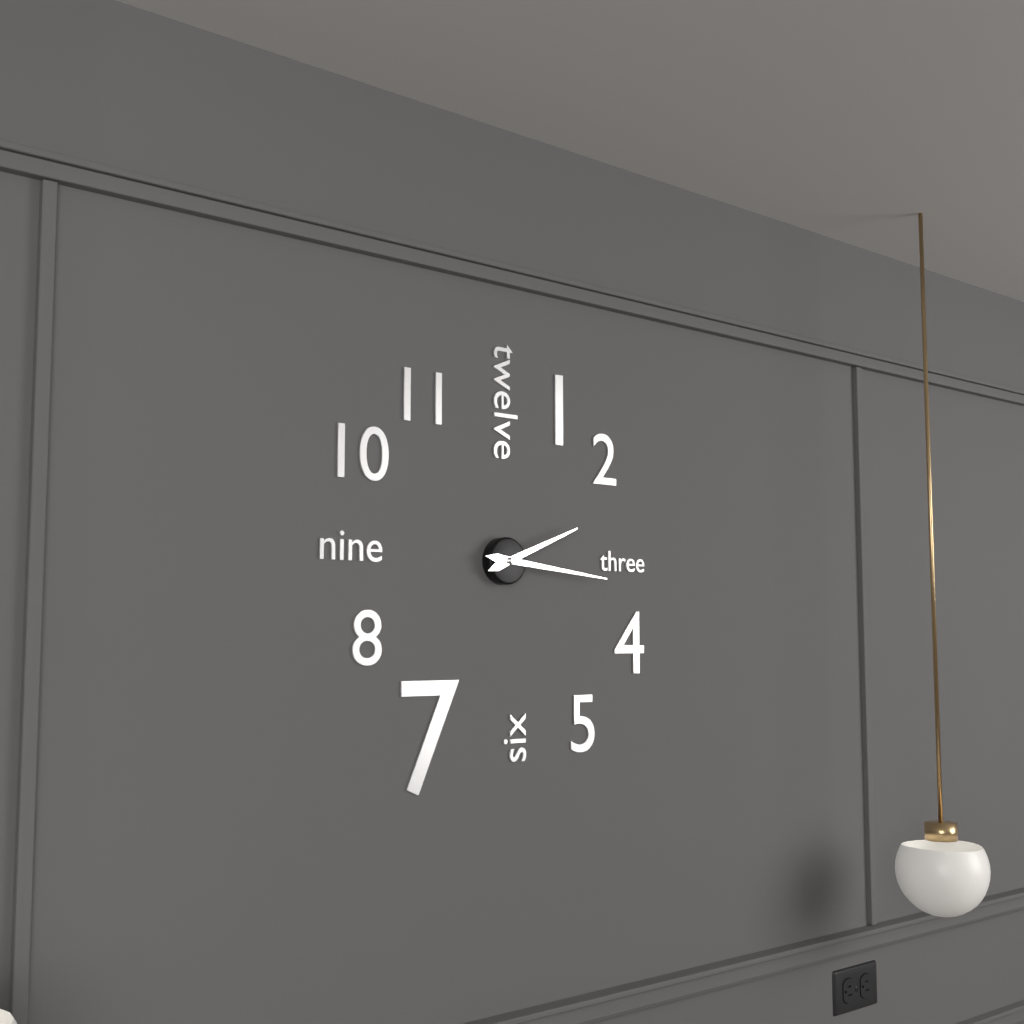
2 h 16 min
